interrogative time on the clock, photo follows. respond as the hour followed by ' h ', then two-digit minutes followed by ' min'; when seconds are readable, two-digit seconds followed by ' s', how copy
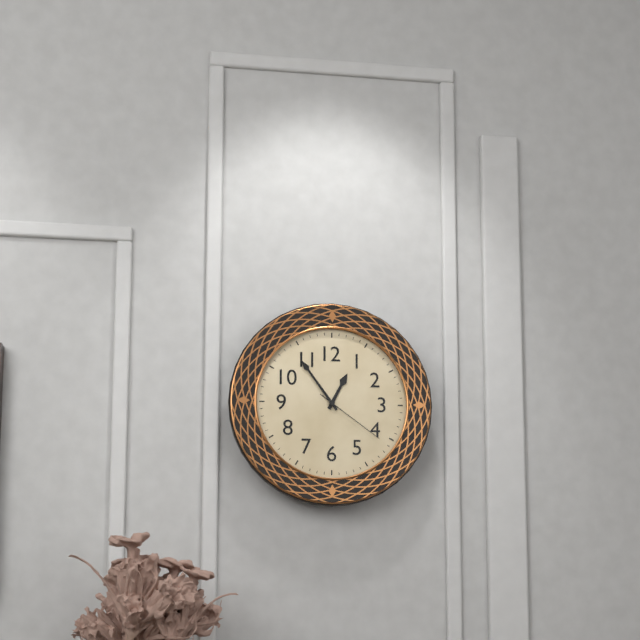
12 h 54 min 21 s
